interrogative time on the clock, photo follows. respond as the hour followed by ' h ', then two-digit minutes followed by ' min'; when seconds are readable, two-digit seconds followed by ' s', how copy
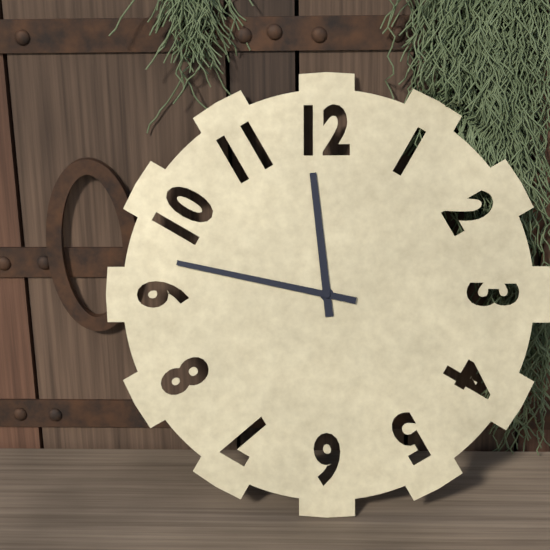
11 h 47 min
